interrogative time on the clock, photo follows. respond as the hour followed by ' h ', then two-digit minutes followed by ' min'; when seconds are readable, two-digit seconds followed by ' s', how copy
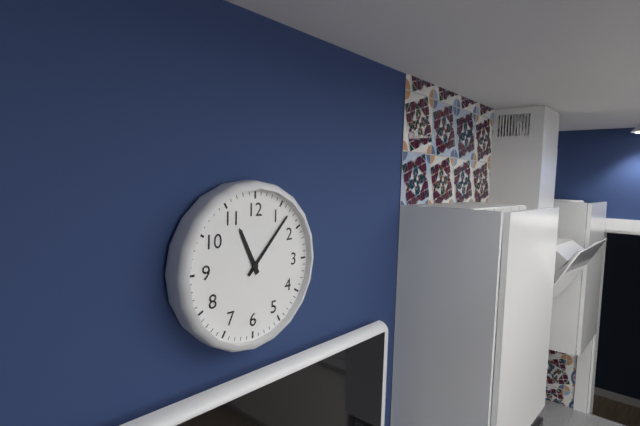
11 h 07 min
